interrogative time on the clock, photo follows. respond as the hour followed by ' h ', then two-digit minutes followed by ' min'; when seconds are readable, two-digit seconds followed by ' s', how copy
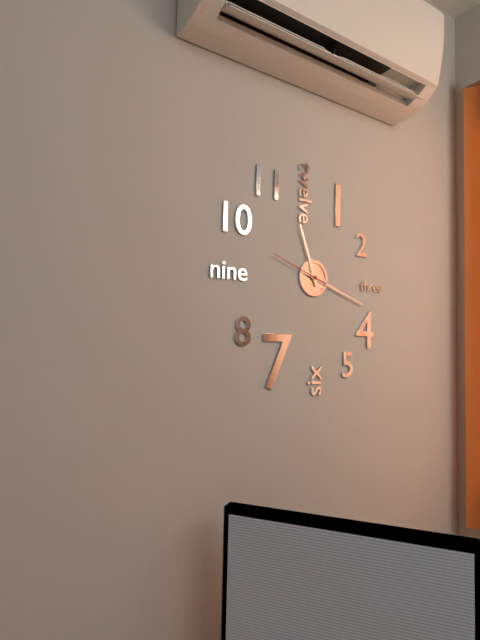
11 h 18 min 48 s
